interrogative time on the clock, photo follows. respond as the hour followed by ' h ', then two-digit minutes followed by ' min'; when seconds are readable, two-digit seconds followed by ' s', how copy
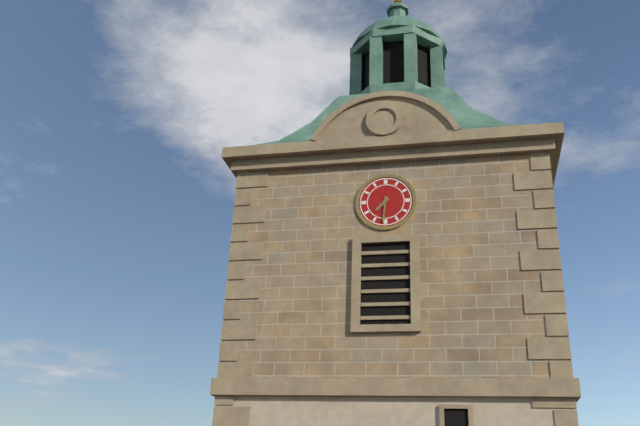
7 h 31 min
